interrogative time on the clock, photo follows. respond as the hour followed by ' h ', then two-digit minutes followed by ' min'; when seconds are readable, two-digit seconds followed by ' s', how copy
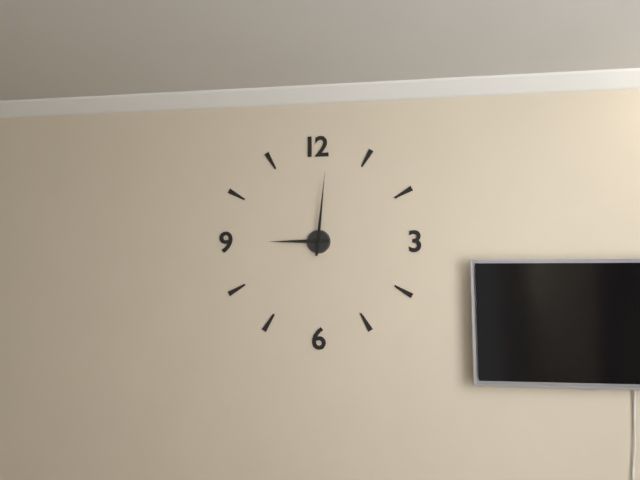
9 h 01 min
